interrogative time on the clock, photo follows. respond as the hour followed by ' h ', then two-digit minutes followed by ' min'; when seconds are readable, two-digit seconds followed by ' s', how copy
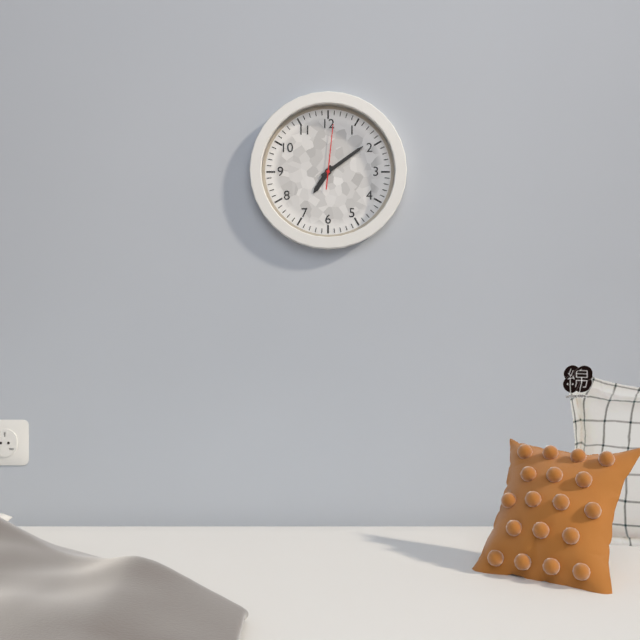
7 h 09 min 01 s
